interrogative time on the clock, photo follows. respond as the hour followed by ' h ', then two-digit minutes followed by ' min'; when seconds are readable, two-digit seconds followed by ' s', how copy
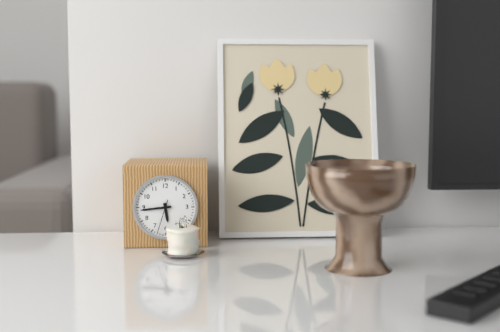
5 h 44 min
